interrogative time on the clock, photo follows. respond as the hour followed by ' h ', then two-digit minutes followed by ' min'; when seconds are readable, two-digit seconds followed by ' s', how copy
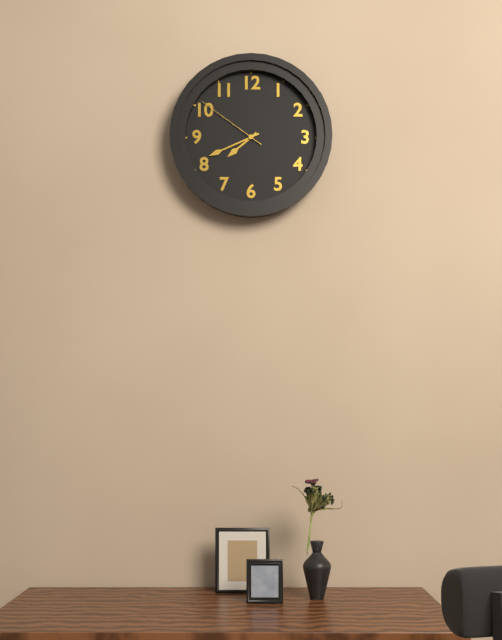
7 h 41 min 51 s
